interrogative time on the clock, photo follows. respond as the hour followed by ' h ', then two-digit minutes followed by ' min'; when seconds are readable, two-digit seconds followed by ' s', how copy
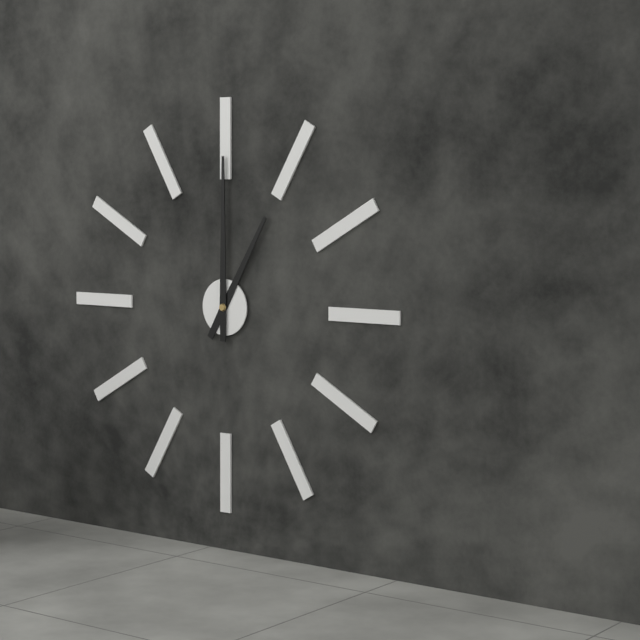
1 h 00 min
